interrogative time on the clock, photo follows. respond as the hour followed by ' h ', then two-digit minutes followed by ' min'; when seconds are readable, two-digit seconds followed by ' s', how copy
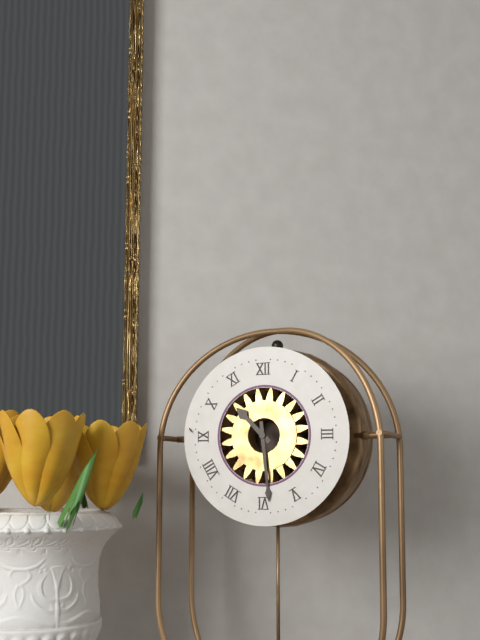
10 h 29 min
